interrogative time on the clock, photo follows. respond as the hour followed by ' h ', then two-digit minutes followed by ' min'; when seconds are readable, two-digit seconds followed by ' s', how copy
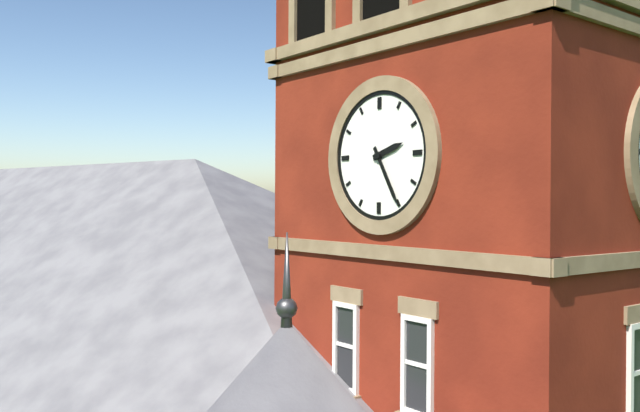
2 h 25 min
